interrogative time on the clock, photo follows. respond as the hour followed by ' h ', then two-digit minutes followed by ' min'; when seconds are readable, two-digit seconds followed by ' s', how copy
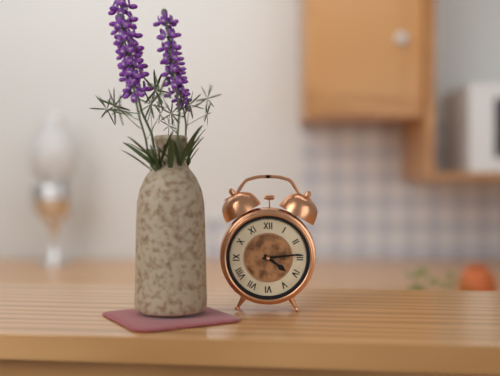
4 h 14 min
